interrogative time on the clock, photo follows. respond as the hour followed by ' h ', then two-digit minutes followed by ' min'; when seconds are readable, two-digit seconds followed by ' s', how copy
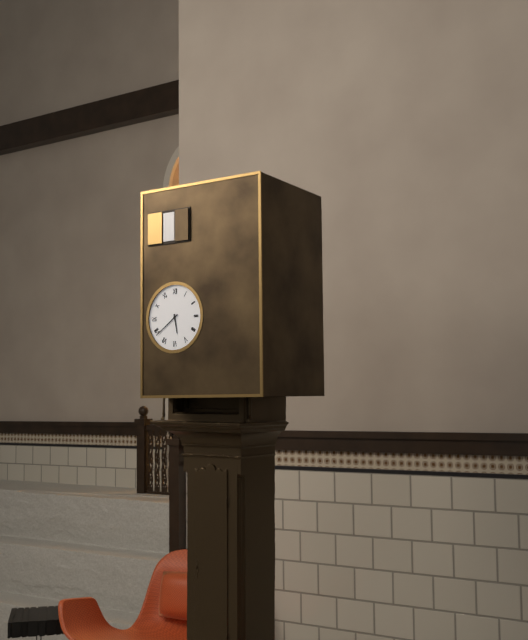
5 h 39 min
